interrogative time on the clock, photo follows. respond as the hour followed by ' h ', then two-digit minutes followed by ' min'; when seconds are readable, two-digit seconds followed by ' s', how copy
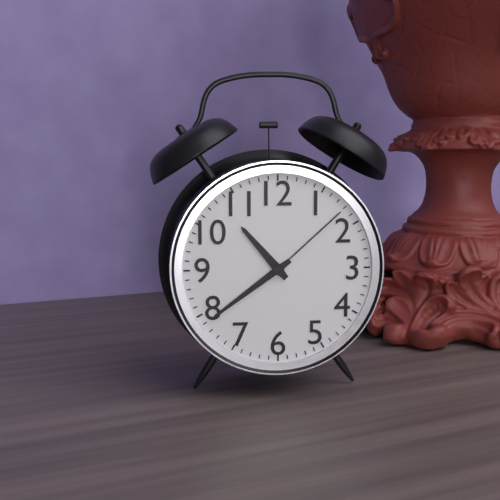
10 h 39 min 08 s
